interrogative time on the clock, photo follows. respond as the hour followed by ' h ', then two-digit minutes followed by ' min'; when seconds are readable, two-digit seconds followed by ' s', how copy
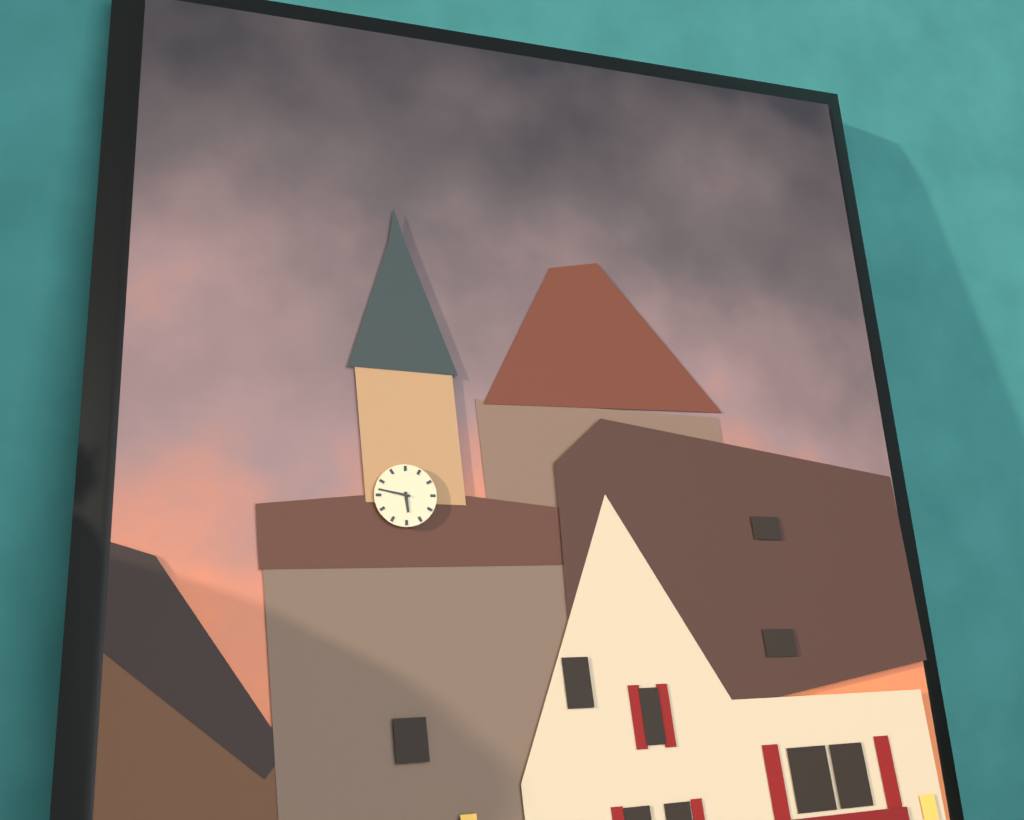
5 h 47 min
